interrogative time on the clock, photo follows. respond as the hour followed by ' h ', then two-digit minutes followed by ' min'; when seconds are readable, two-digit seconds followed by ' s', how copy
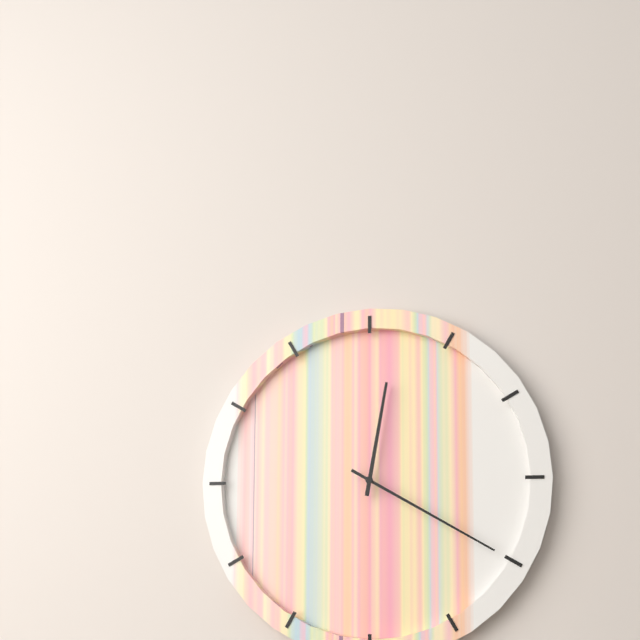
12 h 20 min
